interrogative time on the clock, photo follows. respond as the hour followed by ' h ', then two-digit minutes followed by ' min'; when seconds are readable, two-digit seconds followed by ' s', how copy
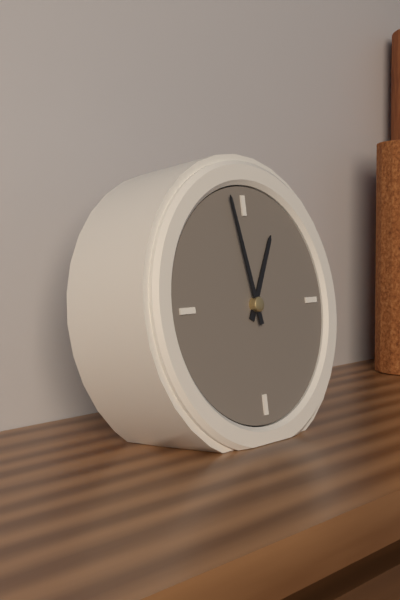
12 h 58 min
